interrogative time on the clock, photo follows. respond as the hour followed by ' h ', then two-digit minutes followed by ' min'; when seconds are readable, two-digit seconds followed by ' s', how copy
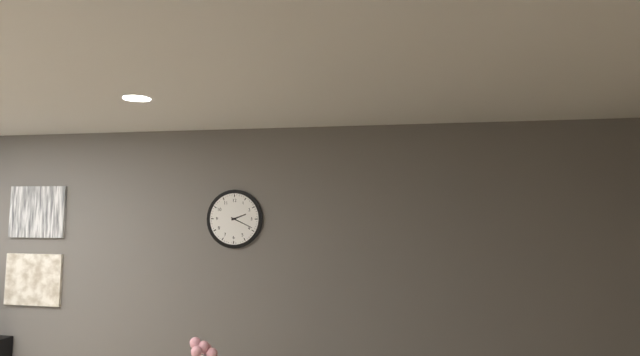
2 h 19 min
